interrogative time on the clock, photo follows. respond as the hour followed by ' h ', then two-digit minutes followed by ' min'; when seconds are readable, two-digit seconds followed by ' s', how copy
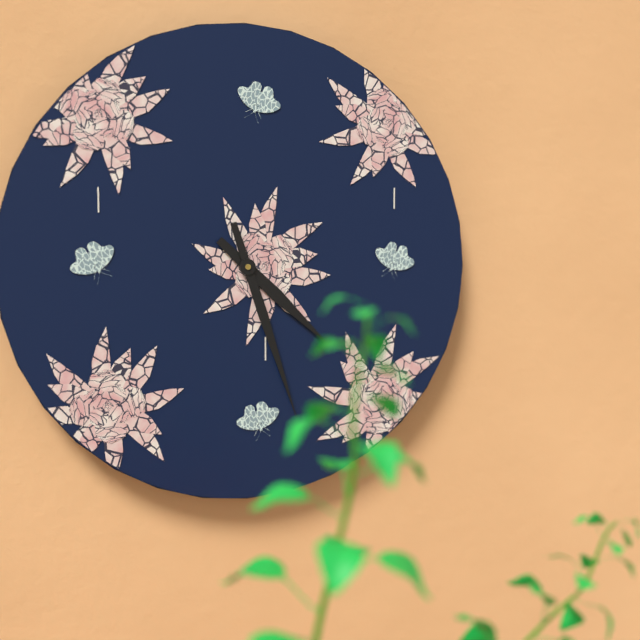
4 h 27 min
